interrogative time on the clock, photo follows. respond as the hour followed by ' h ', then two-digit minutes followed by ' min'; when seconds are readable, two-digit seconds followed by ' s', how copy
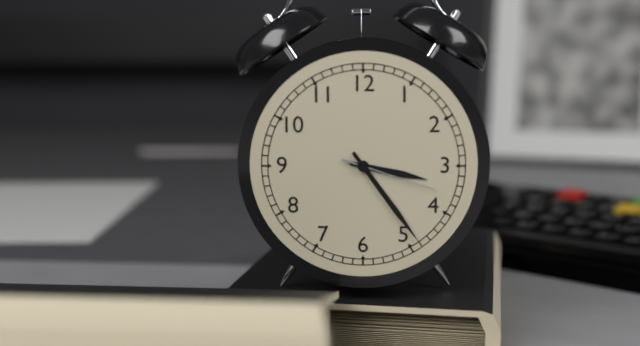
3 h 24 min 18 s
